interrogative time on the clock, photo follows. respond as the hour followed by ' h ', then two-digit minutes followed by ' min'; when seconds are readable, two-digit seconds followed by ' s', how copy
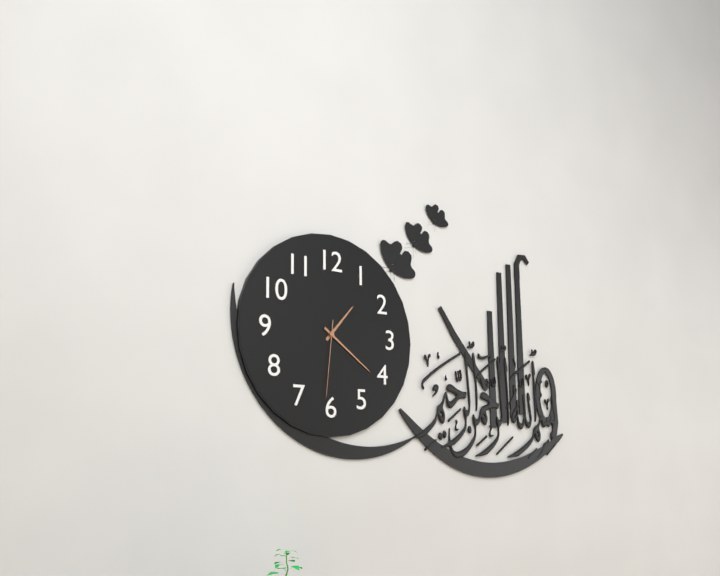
1 h 21 min 31 s
